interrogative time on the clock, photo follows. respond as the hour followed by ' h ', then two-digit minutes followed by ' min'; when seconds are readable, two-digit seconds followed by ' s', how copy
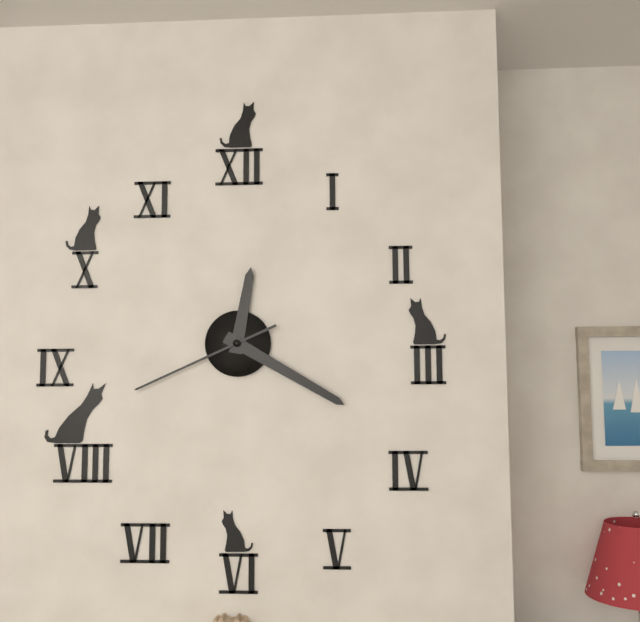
12 h 20 min 41 s
